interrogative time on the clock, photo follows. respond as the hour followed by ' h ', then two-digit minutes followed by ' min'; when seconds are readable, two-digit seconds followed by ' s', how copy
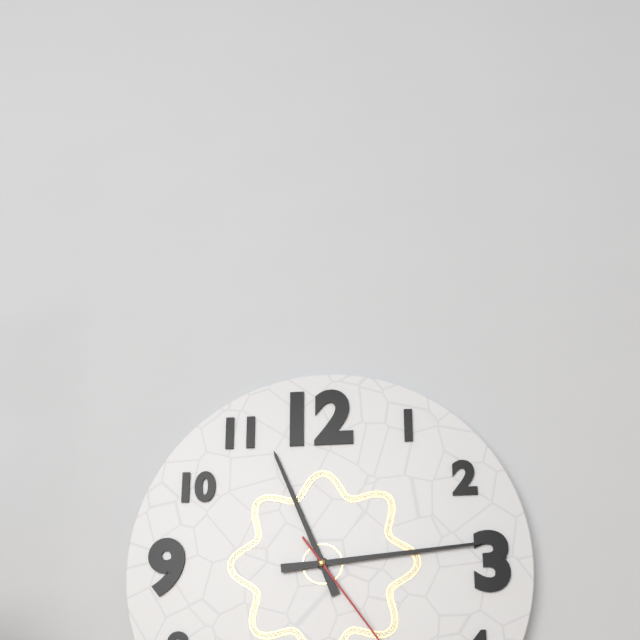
11 h 14 min
